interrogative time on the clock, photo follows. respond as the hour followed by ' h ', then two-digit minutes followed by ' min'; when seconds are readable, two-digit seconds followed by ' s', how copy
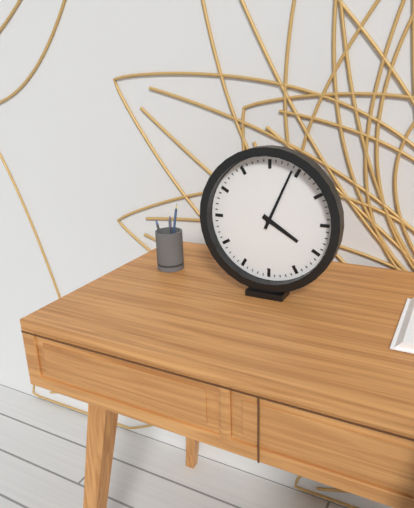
4 h 04 min
